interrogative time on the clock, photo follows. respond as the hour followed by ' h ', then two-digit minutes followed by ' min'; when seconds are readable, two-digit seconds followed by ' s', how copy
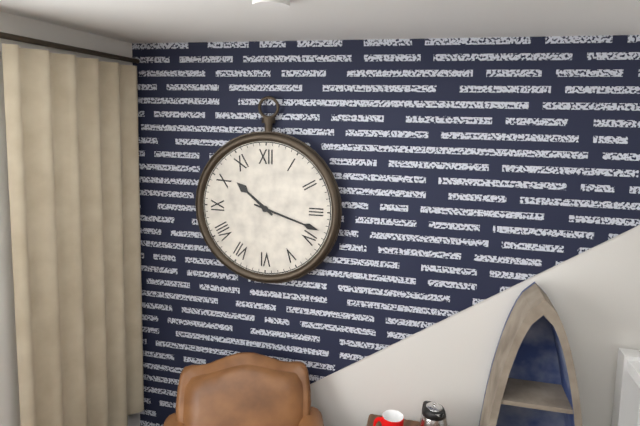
10 h 18 min
